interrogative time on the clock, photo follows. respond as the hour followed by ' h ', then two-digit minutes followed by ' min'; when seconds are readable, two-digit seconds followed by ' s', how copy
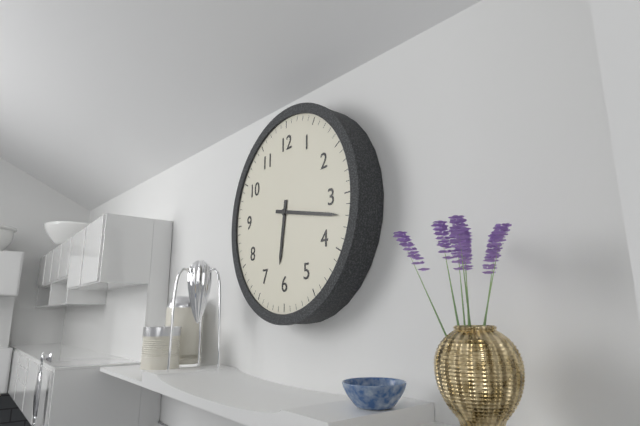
6 h 17 min
